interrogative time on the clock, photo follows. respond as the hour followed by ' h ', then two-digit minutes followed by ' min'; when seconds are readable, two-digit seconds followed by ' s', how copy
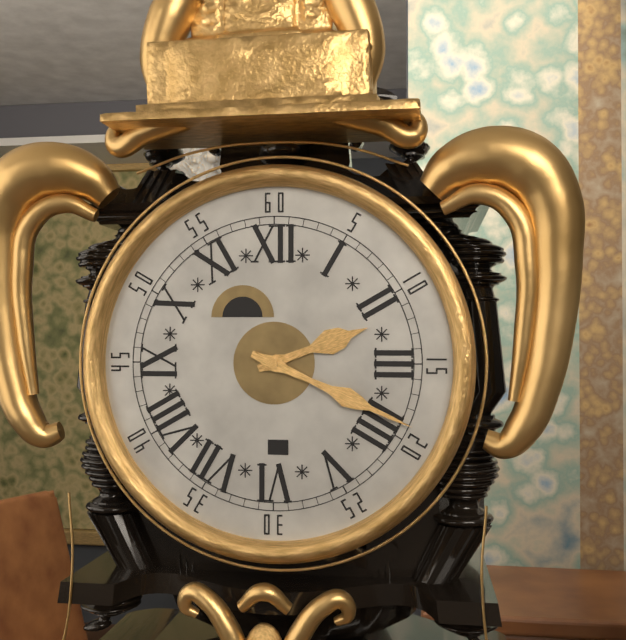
2 h 19 min
